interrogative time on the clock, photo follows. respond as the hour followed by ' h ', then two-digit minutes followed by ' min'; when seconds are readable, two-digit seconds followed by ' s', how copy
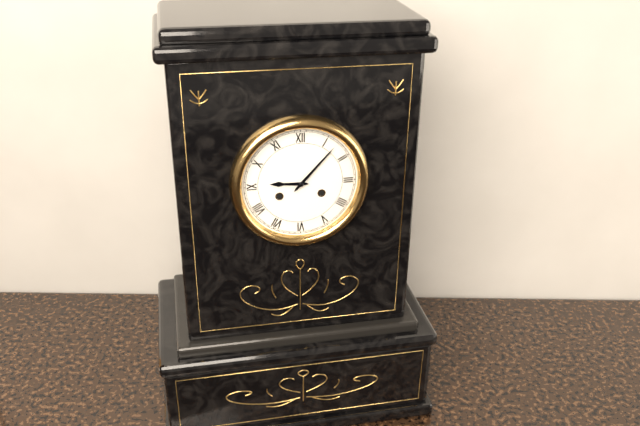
9 h 07 min
